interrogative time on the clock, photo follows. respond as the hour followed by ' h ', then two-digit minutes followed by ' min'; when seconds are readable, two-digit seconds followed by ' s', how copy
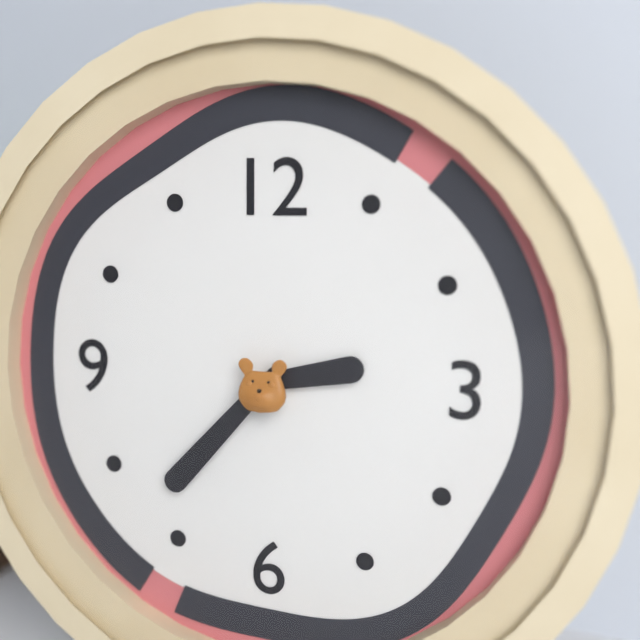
2 h 37 min
